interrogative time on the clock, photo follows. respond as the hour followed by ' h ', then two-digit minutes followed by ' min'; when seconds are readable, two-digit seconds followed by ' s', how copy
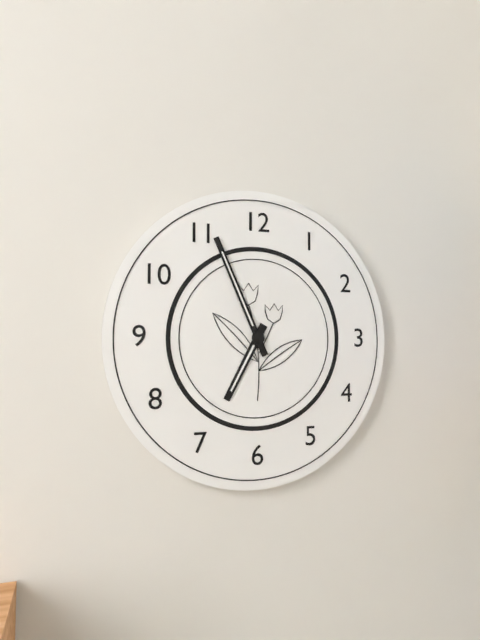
6 h 56 min
